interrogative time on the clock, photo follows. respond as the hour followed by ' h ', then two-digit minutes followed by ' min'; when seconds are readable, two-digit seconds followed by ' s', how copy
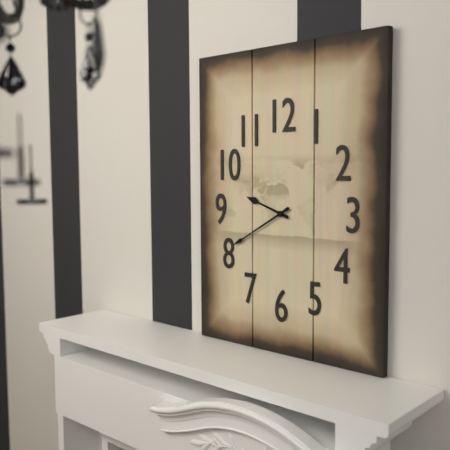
9 h 40 min
